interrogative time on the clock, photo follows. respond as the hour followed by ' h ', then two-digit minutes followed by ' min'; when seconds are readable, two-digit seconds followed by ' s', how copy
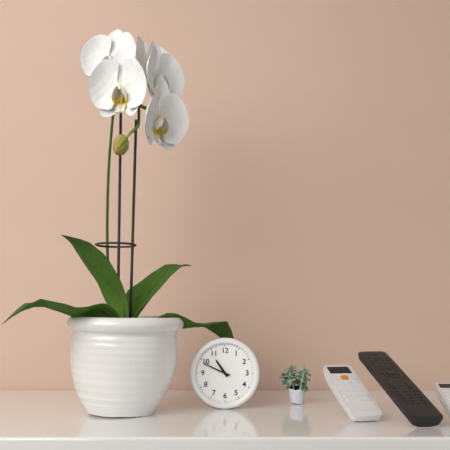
10 h 49 min
